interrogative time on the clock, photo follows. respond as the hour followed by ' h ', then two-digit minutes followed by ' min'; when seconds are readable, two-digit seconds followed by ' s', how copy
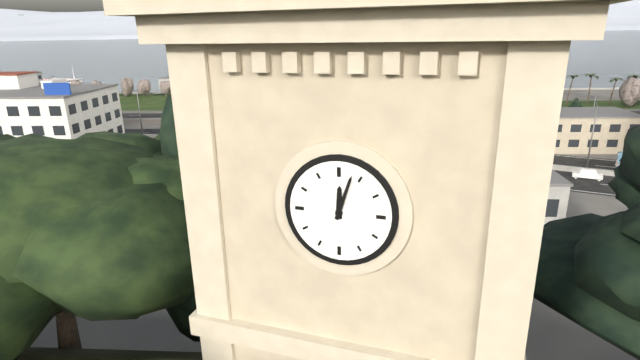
12 h 03 min
